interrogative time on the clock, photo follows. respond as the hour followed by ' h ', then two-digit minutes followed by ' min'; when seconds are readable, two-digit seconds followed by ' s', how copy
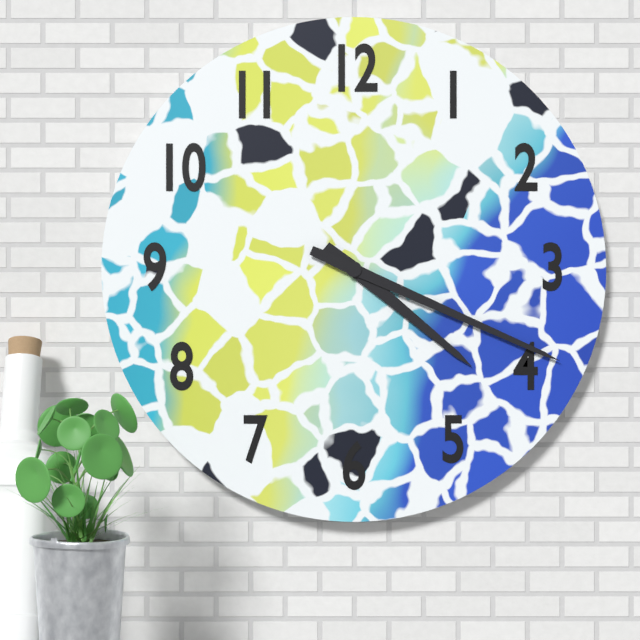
4 h 19 min
